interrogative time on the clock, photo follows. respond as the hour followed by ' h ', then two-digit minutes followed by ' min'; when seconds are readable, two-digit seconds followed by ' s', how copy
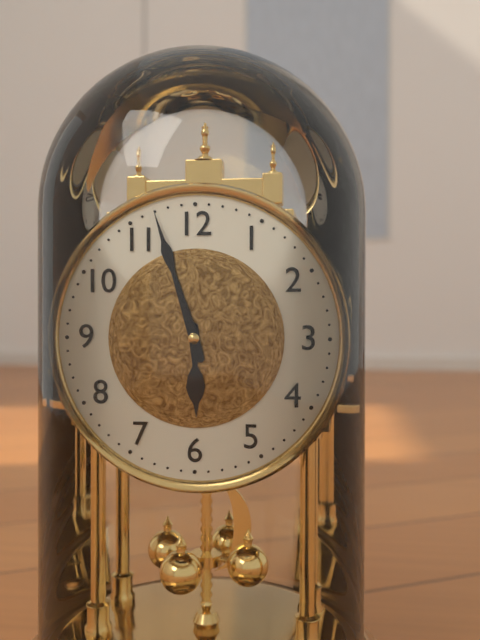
5 h 57 min
